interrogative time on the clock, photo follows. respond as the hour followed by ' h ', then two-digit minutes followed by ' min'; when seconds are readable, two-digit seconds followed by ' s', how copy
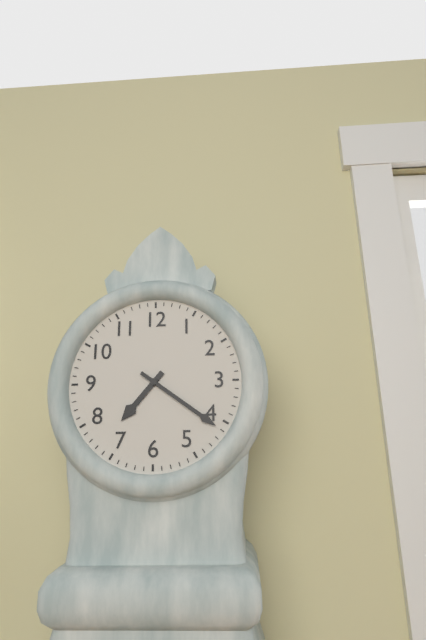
7 h 21 min
